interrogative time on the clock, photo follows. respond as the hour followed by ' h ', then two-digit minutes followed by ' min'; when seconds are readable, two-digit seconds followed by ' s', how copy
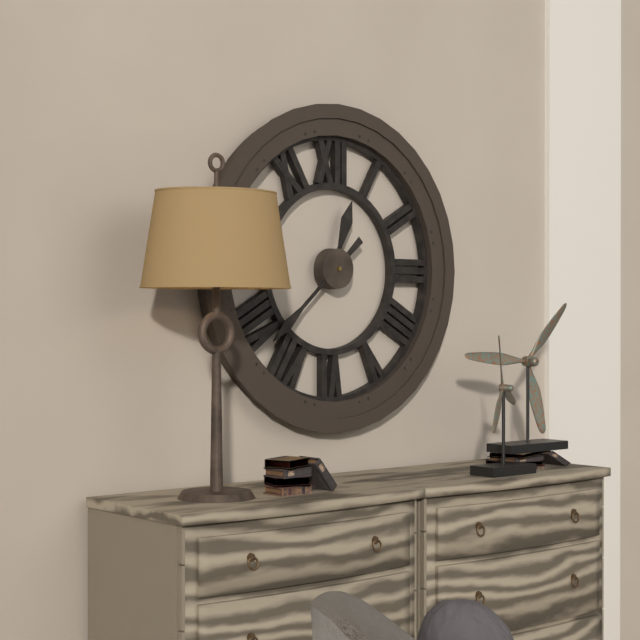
12 h 38 min
